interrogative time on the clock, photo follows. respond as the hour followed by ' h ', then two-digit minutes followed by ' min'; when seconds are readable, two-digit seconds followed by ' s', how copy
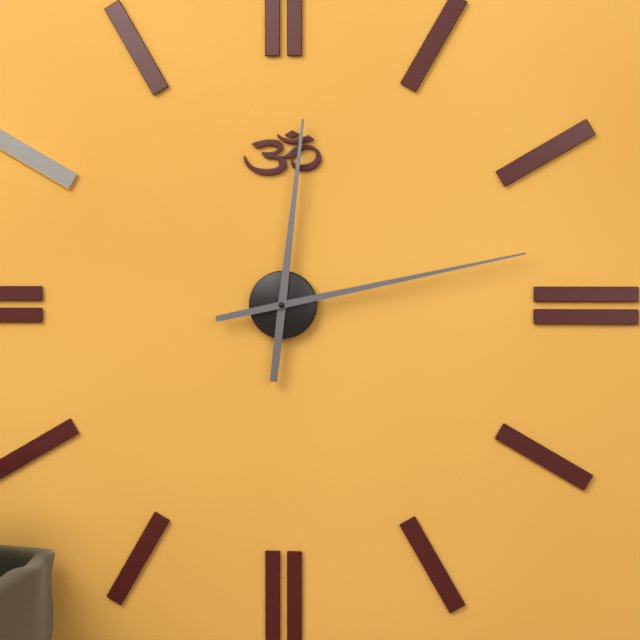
12 h 13 min
